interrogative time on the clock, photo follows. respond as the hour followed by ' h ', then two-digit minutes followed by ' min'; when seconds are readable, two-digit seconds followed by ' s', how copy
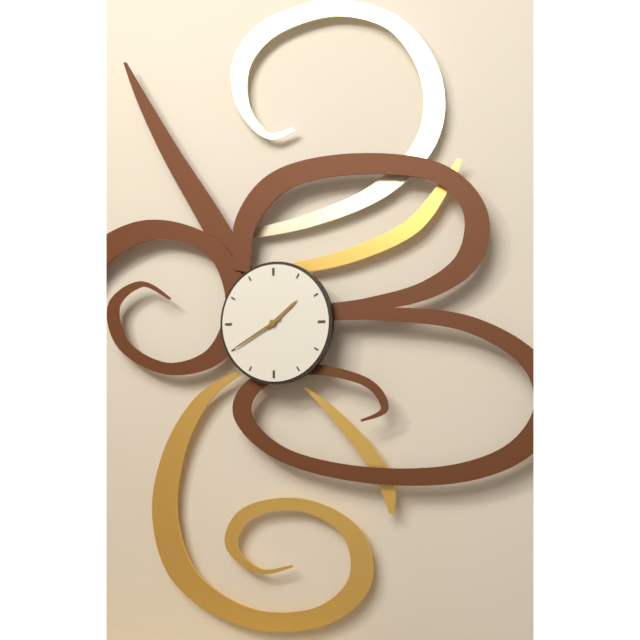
1 h 40 min
